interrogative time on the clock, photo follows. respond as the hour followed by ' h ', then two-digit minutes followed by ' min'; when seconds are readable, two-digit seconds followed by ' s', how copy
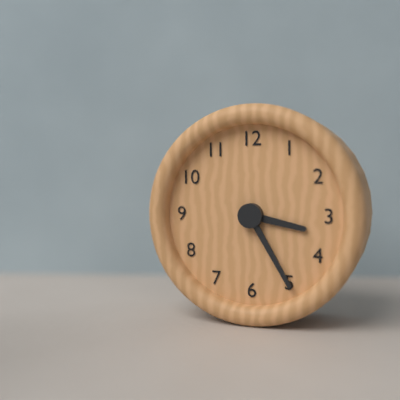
3 h 25 min
